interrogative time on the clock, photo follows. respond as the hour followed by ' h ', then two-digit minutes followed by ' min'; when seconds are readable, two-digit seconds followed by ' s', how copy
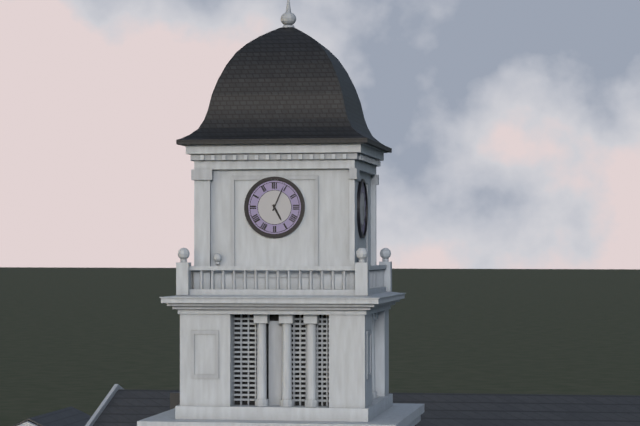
5 h 04 min
